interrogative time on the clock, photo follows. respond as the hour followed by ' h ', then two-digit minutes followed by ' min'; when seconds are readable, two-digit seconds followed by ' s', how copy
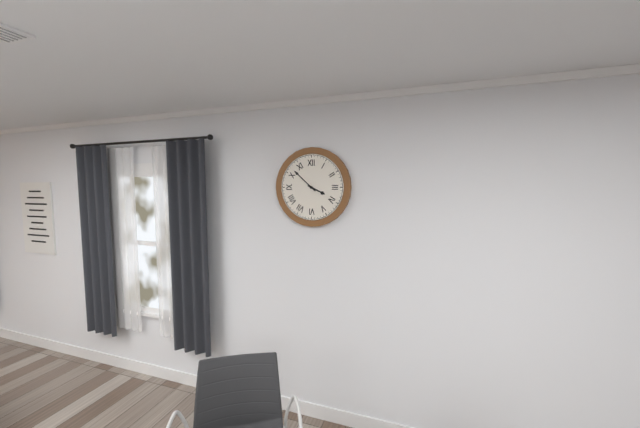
3 h 52 min
